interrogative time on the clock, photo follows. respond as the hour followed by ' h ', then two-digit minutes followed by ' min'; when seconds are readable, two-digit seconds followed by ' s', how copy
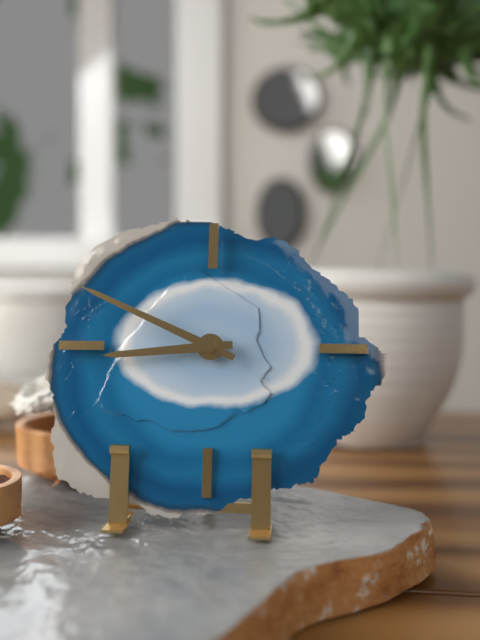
8 h 49 min
